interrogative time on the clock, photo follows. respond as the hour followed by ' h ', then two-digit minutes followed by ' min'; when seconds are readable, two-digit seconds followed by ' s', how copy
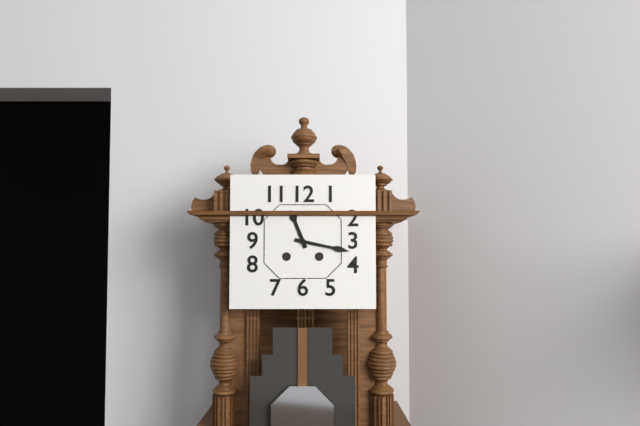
11 h 17 min
